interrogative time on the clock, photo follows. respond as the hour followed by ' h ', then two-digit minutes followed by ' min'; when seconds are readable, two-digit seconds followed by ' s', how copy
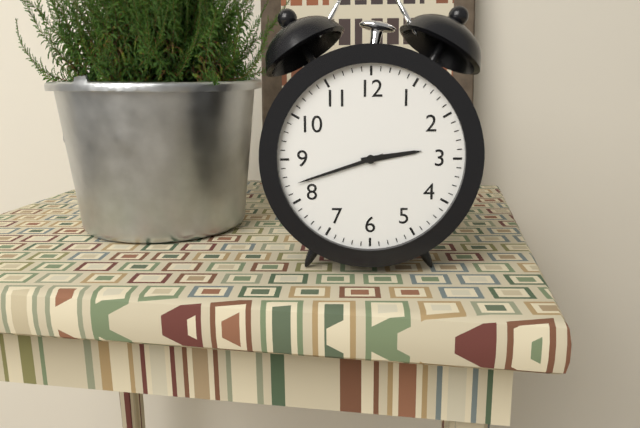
2 h 42 min
